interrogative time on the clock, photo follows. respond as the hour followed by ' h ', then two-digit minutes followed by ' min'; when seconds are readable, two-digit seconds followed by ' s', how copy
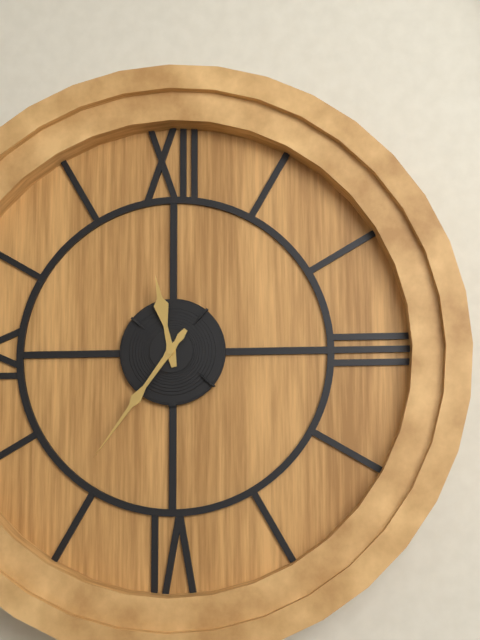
11 h 36 min
